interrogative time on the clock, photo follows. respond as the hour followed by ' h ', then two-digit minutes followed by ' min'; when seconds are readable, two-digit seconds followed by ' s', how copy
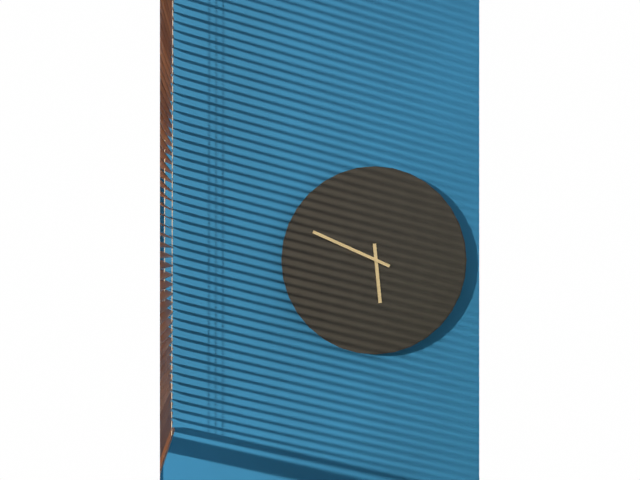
5 h 49 min
